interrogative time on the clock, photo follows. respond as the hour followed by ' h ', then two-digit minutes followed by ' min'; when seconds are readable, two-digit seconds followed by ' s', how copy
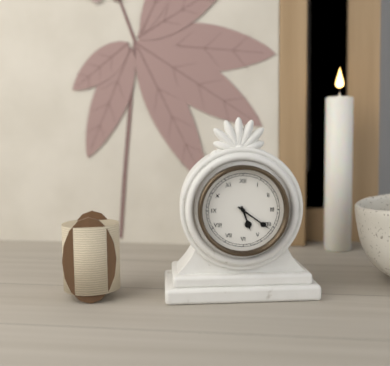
5 h 21 min
